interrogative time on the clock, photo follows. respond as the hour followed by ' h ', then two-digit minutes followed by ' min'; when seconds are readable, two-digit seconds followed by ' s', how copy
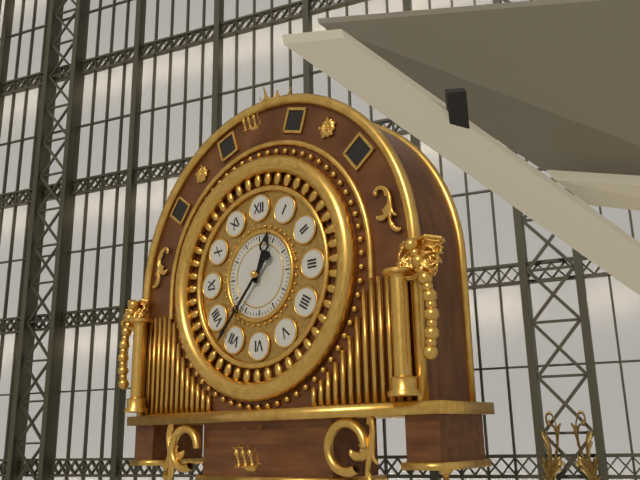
12 h 37 min
